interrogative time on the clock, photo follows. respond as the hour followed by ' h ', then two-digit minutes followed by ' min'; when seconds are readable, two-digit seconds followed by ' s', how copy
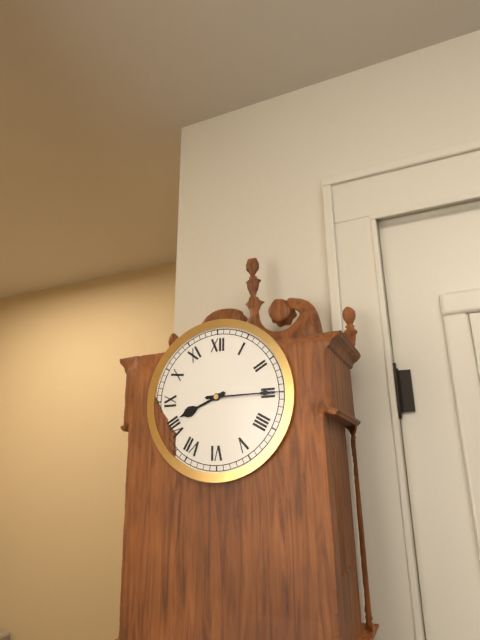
8 h 15 min
